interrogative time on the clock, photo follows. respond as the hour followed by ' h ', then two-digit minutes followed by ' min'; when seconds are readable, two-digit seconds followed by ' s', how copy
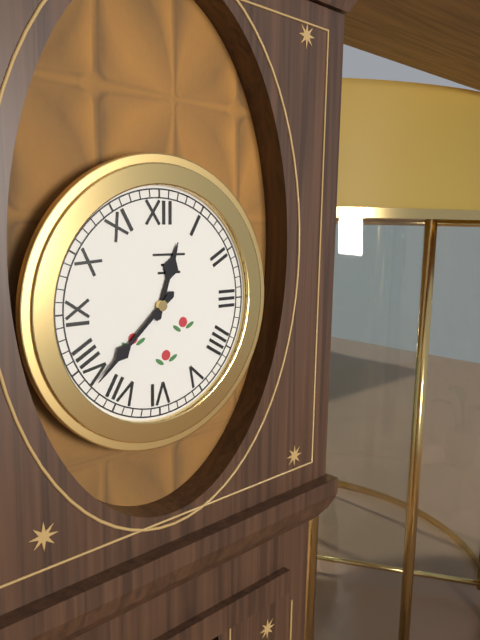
12 h 38 min
